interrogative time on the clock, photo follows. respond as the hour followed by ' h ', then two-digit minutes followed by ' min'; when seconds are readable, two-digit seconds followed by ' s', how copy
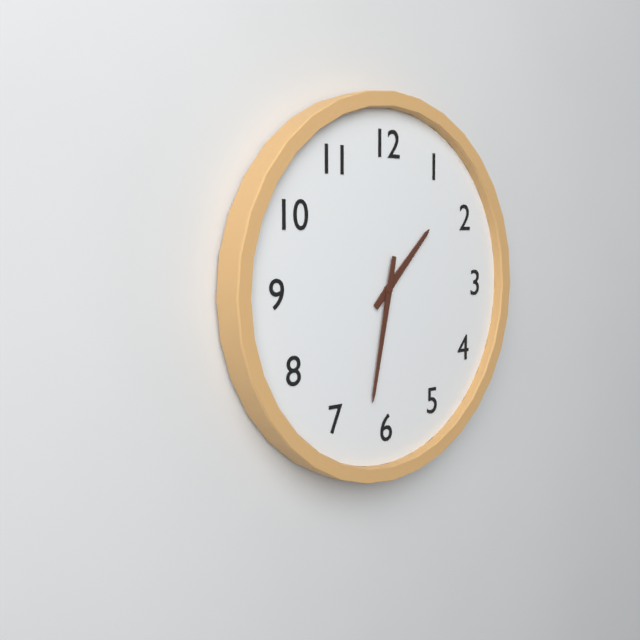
1 h 32 min
